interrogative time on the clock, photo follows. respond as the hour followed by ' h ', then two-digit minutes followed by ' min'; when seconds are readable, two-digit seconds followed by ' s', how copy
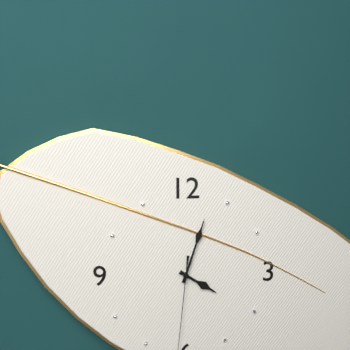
4 h 03 min
